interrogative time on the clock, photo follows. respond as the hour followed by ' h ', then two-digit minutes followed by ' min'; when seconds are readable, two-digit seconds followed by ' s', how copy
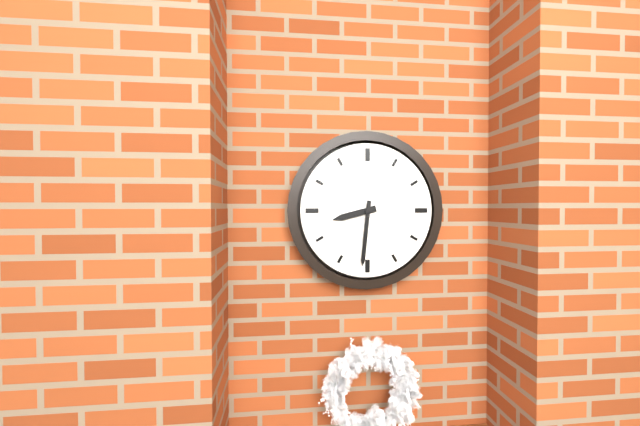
8 h 31 min
